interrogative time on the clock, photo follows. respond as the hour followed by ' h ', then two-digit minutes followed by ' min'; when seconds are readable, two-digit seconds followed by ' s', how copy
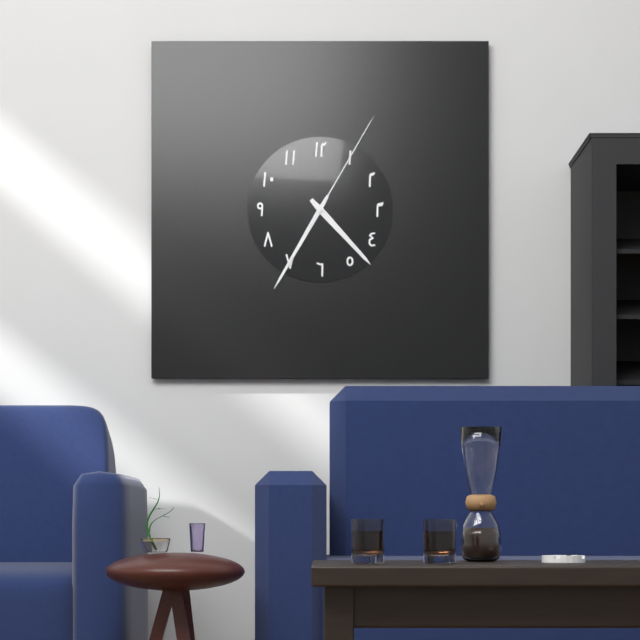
4 h 35 min 05 s
